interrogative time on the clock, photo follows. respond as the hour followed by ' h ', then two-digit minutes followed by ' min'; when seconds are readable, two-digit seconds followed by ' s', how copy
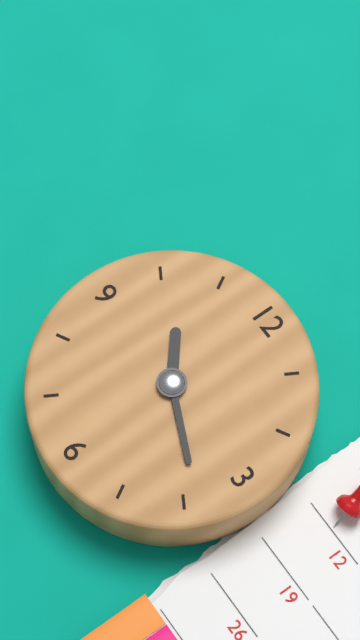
10 h 19 min
